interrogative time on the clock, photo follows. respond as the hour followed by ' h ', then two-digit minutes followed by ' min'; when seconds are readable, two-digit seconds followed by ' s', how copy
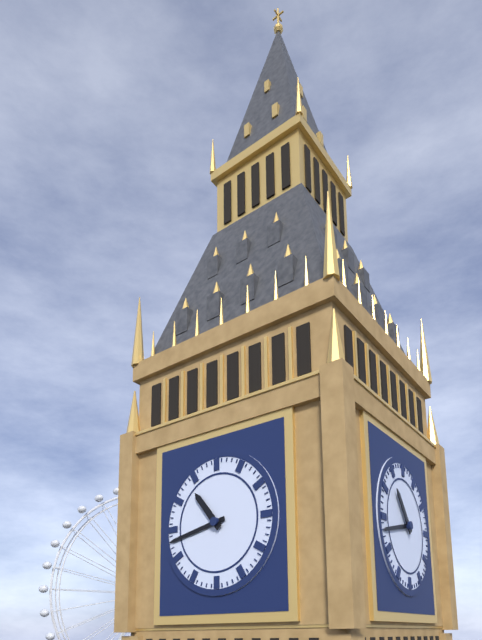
10 h 43 min
